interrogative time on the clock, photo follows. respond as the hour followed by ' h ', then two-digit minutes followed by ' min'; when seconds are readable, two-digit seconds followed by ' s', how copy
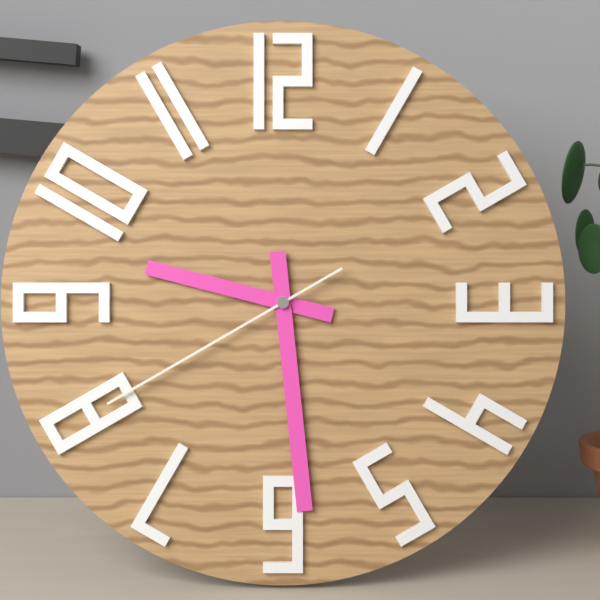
9 h 29 min 40 s
